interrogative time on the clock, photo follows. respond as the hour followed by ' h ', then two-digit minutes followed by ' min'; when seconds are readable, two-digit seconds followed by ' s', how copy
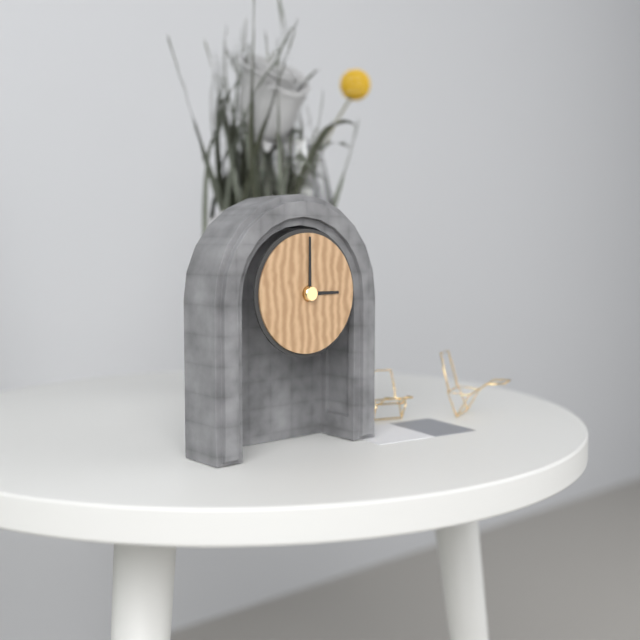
3 h 00 min
